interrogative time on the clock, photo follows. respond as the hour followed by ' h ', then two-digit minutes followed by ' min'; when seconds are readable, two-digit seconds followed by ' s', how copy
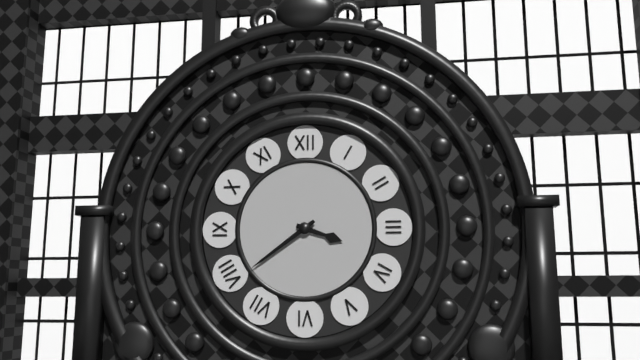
3 h 39 min
